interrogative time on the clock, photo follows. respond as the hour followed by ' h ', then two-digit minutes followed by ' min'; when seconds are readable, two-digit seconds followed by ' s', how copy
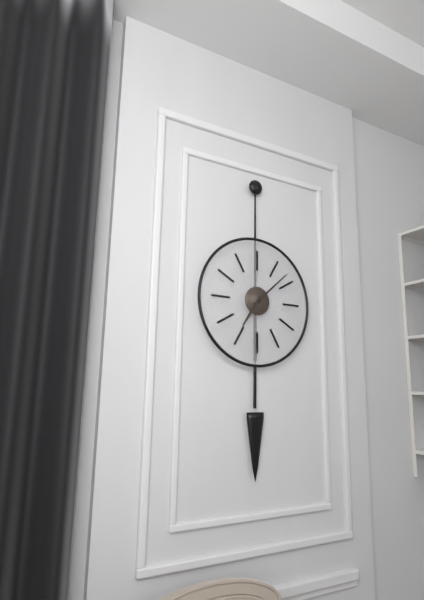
7 h 08 min
